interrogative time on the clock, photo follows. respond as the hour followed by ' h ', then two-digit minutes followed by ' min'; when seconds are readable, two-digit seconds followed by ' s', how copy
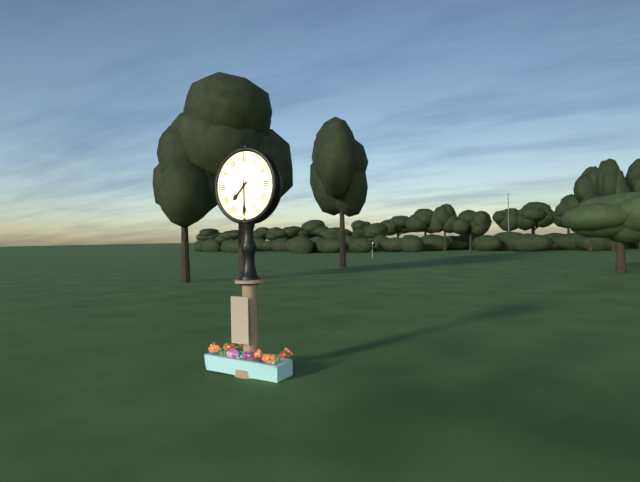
7 h 30 min
